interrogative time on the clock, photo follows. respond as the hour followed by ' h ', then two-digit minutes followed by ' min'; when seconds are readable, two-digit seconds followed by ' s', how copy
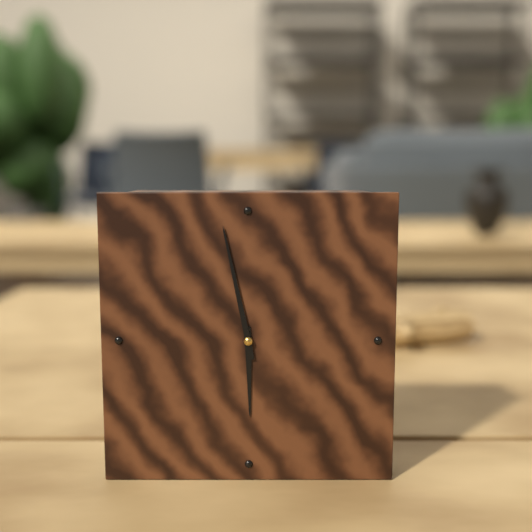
5 h 58 min
